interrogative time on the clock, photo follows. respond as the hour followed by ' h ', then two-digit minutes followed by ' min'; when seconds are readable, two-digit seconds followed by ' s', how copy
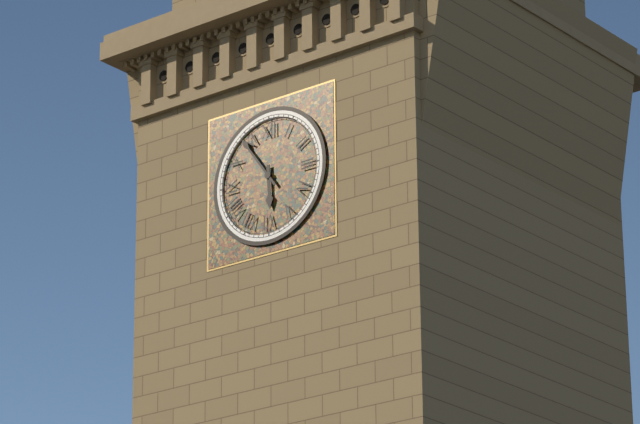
5 h 54 min
